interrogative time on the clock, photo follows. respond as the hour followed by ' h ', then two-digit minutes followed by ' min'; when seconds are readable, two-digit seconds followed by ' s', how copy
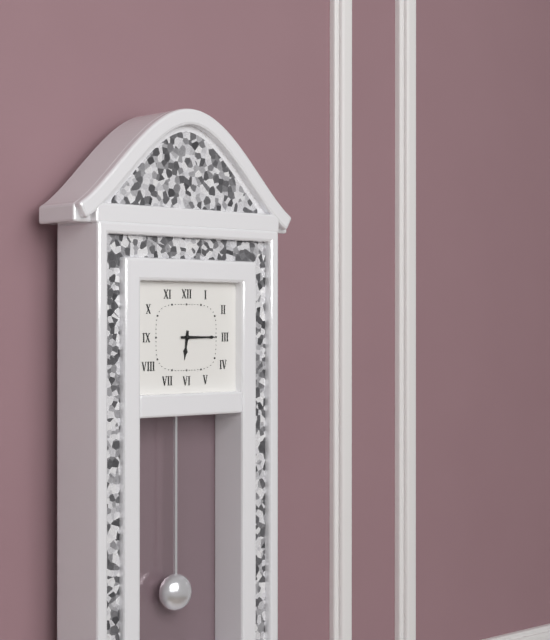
6 h 15 min
